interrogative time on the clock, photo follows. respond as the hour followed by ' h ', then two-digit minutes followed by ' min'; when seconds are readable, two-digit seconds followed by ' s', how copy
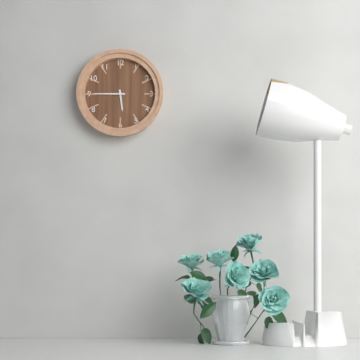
5 h 45 min
